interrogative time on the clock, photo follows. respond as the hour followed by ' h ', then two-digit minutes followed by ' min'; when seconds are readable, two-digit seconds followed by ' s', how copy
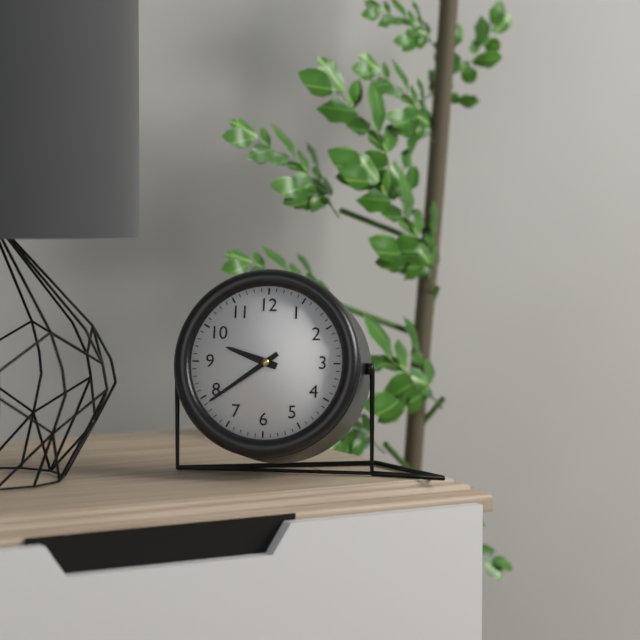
9 h 39 min
